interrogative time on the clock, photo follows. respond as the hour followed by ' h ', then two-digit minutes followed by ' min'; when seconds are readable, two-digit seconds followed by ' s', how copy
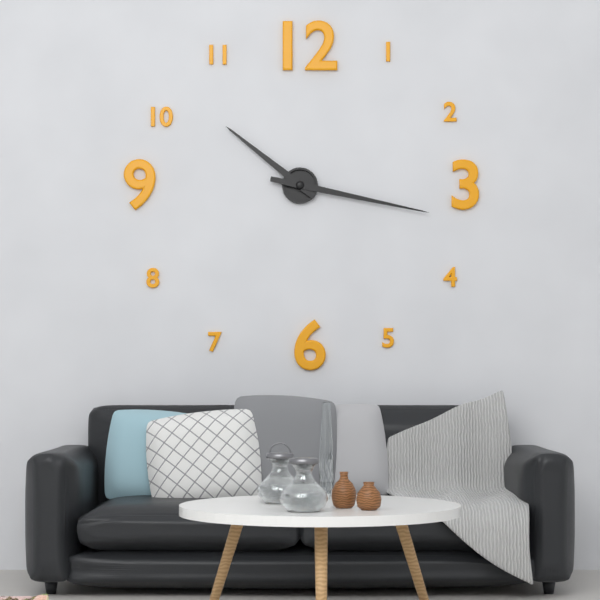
10 h 17 min
